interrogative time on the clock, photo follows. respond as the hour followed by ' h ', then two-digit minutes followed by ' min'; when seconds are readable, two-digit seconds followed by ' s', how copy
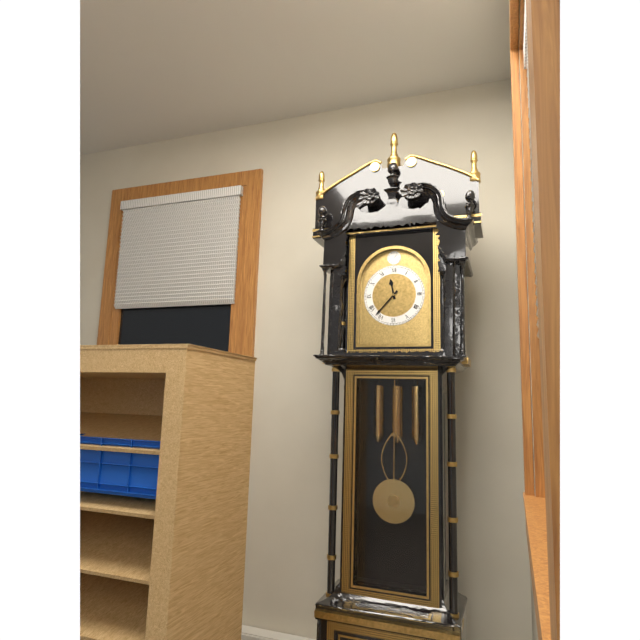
11 h 37 min
